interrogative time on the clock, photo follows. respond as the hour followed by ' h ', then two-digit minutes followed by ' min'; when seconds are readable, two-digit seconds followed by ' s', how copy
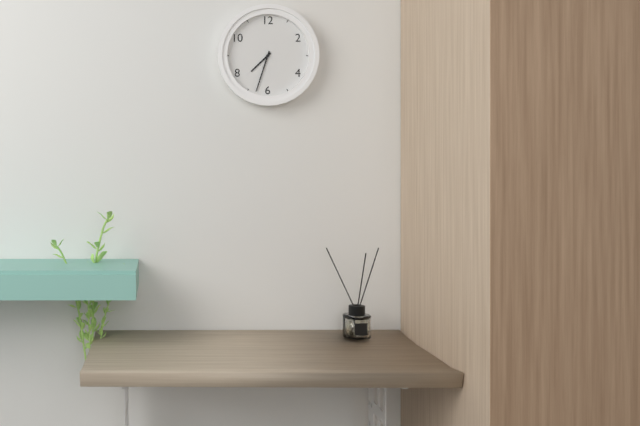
7 h 33 min
